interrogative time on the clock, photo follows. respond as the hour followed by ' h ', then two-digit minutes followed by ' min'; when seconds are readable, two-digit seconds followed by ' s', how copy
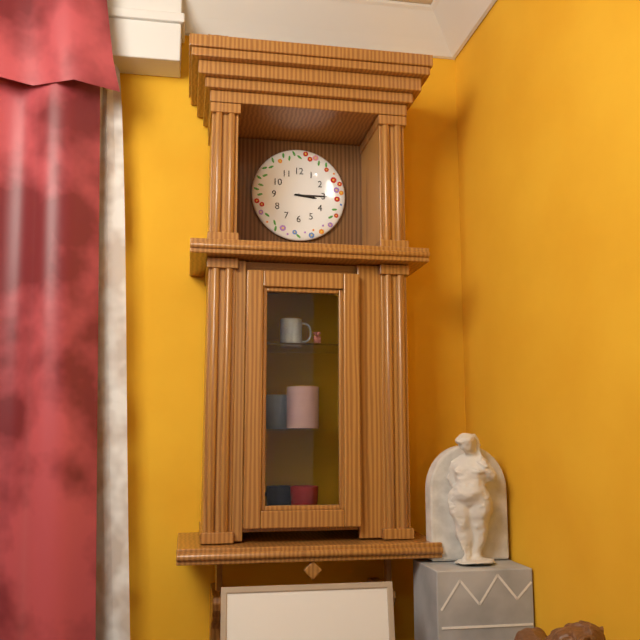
3 h 15 min
